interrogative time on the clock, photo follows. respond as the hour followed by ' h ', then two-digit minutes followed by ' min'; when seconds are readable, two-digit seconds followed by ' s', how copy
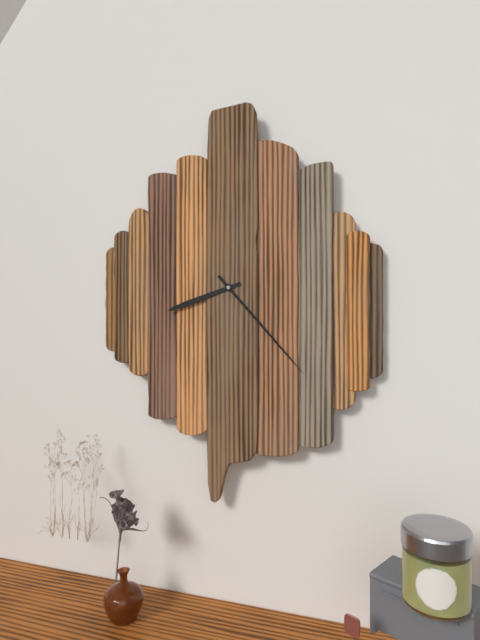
8 h 23 min
